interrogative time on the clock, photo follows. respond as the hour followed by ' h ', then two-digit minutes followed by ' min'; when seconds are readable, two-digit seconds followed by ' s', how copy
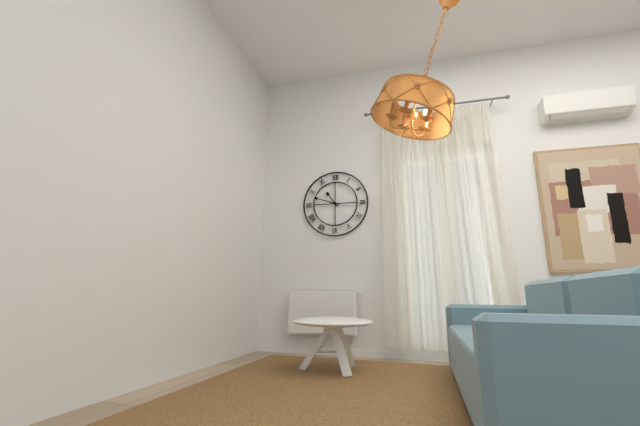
10 h 48 min
